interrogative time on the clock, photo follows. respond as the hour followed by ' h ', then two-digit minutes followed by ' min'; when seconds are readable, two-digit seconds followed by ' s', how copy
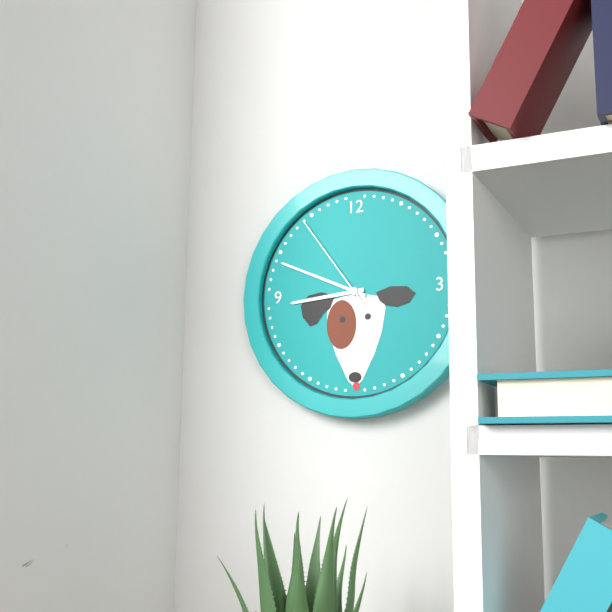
8 h 49 min 54 s
